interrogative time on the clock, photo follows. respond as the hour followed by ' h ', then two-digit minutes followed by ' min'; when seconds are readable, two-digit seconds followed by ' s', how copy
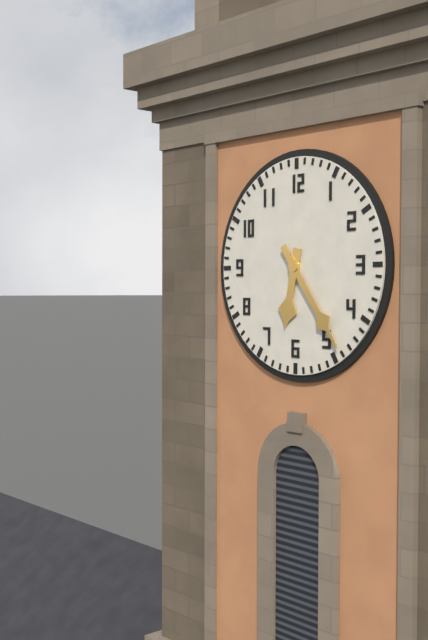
6 h 24 min
